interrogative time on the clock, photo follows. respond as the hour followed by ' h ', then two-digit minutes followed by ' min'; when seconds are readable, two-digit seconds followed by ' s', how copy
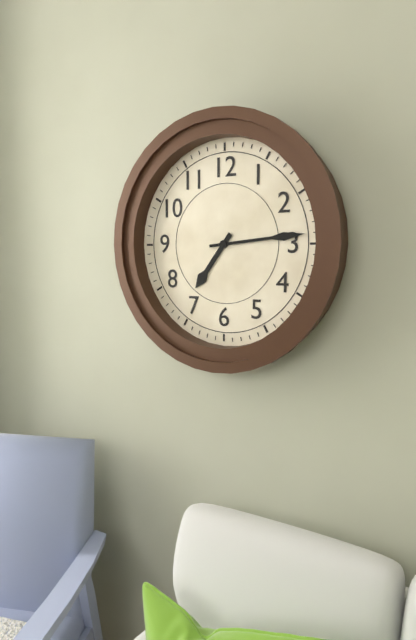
7 h 14 min
